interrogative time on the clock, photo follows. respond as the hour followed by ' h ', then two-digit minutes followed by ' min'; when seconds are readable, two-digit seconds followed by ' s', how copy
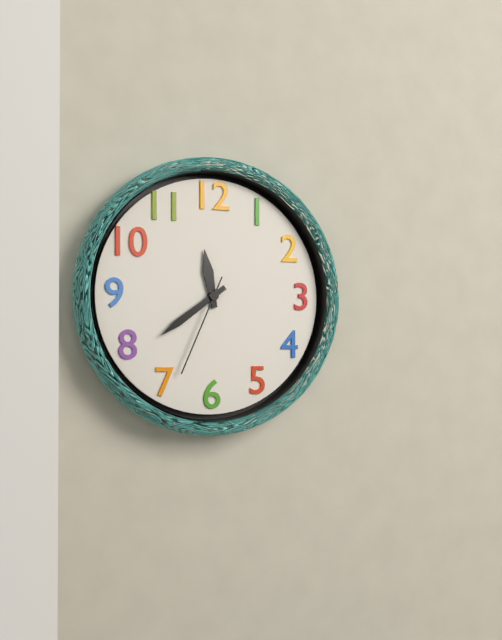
11 h 39 min 34 s
